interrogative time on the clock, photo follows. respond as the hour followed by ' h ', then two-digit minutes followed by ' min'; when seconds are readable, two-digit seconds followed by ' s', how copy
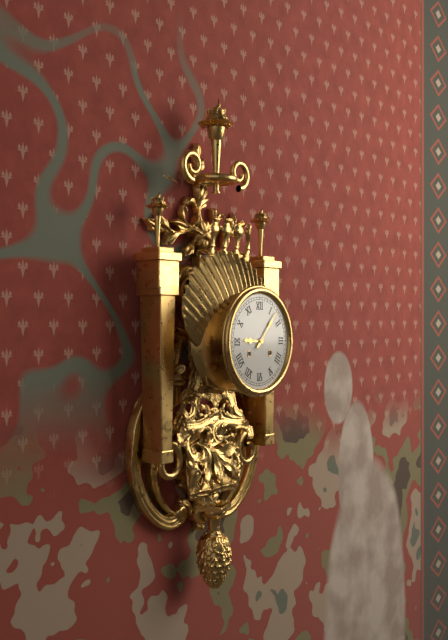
9 h 07 min
